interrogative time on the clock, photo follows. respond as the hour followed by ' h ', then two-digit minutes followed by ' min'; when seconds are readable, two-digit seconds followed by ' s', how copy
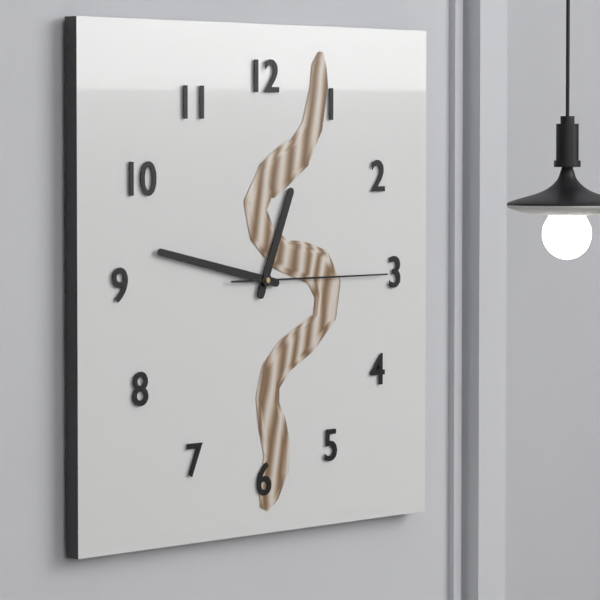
12 h 47 min 15 s
